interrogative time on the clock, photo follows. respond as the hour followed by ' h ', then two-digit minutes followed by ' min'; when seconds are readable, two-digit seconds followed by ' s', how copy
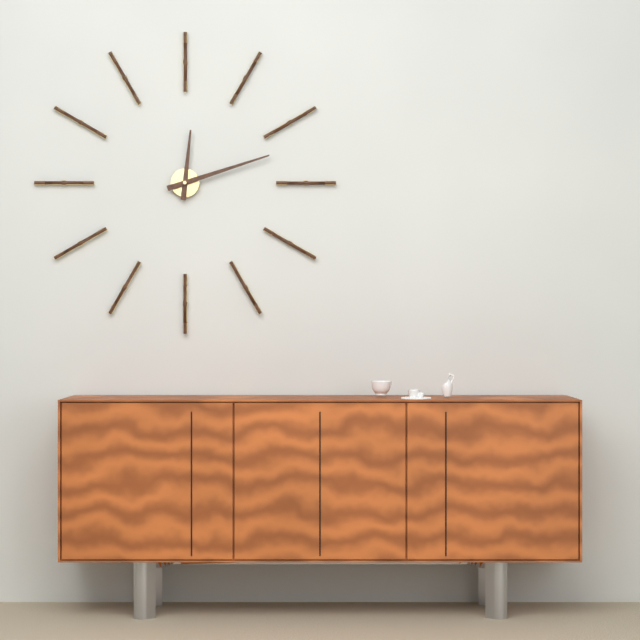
12 h 12 min
